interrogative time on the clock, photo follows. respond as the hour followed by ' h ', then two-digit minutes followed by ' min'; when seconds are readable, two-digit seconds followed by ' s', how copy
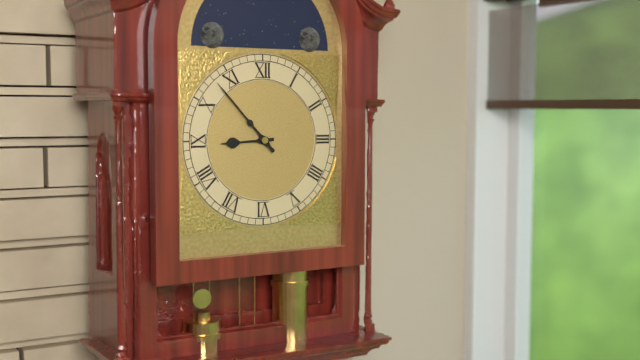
8 h 53 min
